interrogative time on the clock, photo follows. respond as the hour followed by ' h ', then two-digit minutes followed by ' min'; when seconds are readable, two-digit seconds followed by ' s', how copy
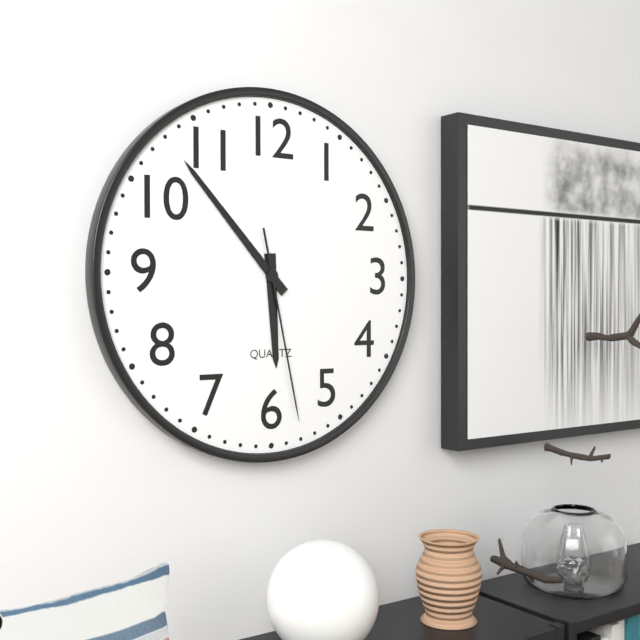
5 h 53 min 28 s
